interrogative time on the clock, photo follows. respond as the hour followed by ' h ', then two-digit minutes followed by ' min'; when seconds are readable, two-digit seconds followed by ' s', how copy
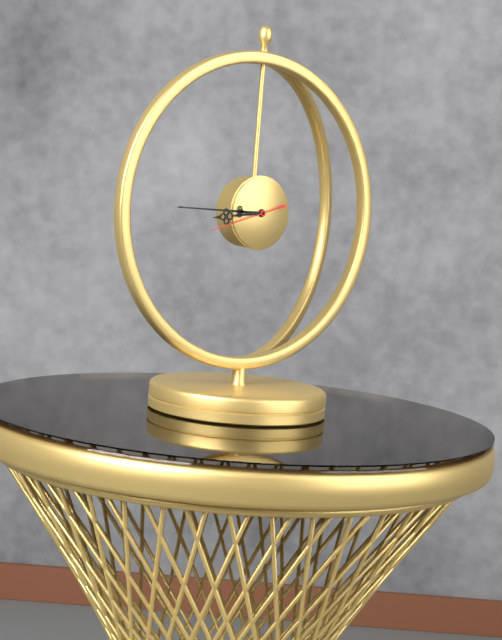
8 h 45 min 42 s
